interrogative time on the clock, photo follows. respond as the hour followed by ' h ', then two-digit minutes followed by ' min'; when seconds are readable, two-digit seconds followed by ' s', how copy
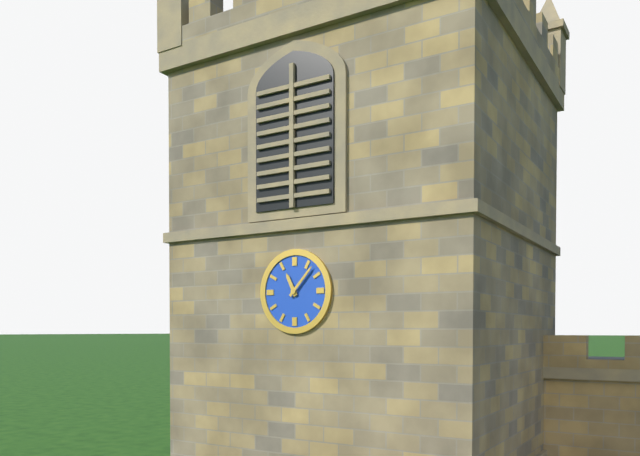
11 h 07 min
